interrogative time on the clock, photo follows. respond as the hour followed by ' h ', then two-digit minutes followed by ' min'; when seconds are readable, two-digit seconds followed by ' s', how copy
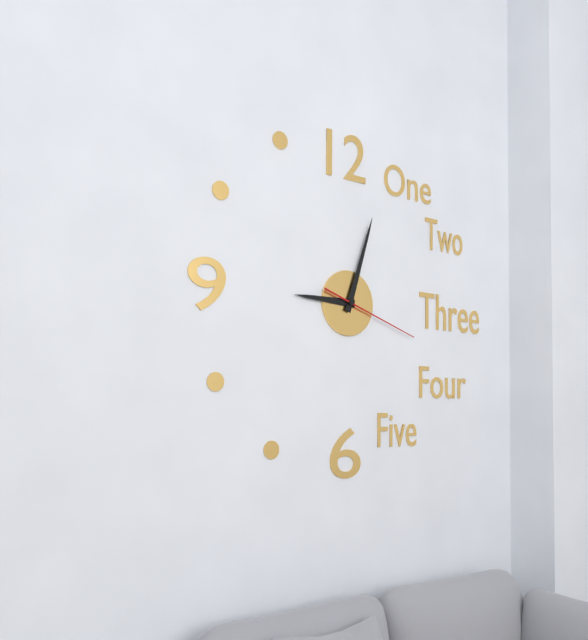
9 h 03 min 18 s
